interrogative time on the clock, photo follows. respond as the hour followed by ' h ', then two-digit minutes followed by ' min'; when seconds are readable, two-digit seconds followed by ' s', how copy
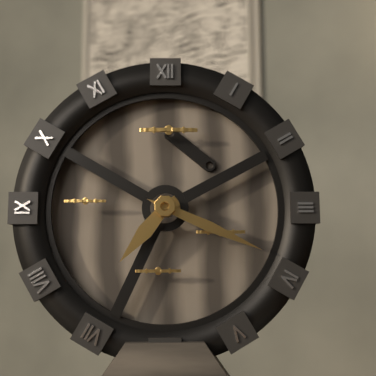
7 h 19 min
